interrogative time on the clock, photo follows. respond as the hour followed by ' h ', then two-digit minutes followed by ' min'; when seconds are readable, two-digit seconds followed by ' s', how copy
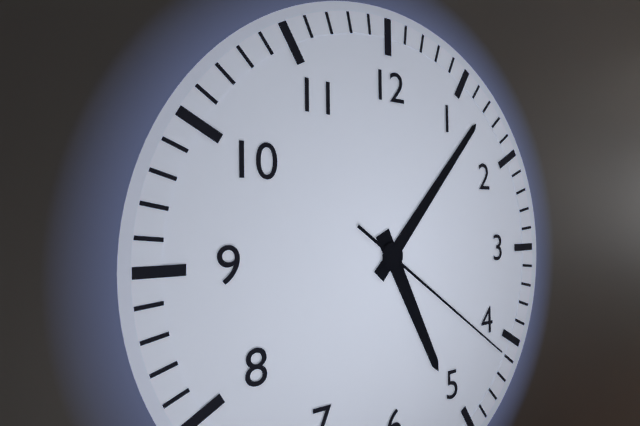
5 h 07 min 21 s
